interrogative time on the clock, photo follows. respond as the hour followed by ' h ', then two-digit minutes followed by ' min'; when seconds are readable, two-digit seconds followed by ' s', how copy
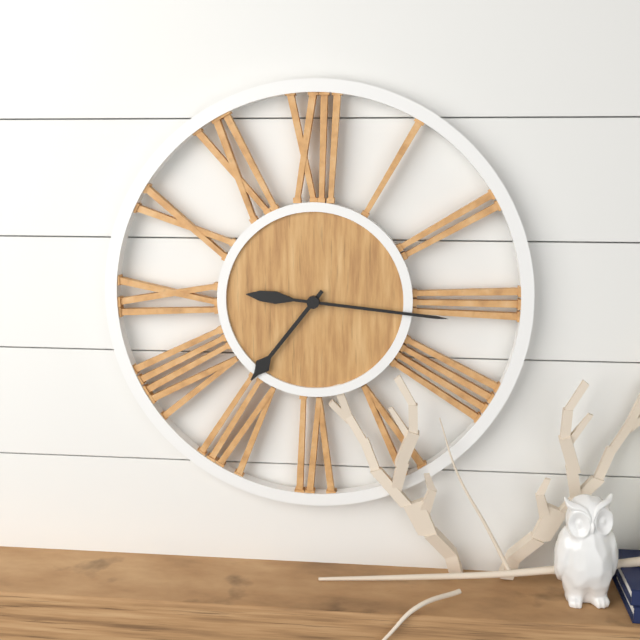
7 h 16 min
